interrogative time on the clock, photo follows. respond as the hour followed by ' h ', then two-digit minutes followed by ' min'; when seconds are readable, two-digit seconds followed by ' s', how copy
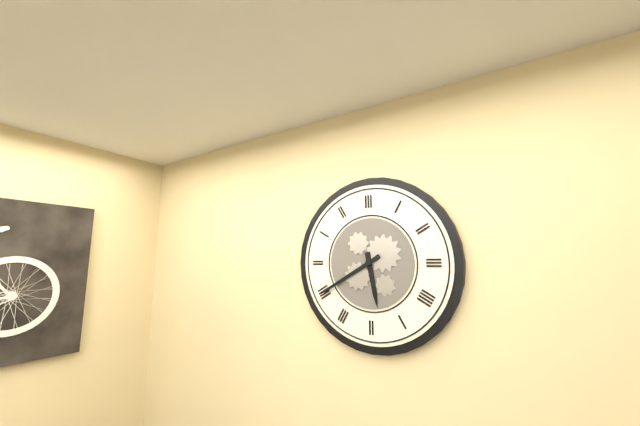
5 h 40 min
